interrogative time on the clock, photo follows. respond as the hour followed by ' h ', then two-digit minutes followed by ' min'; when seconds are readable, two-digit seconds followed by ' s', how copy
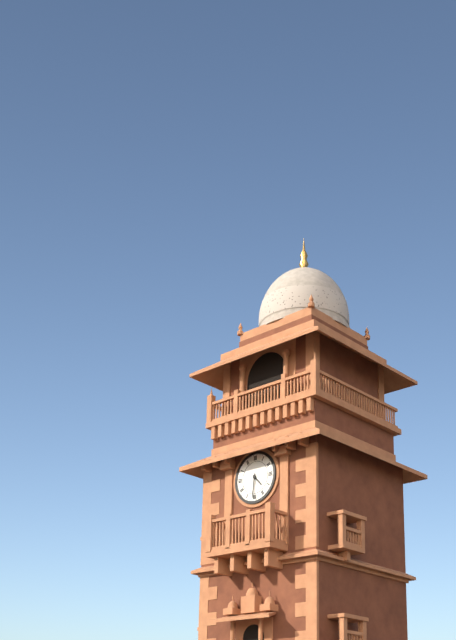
4 h 31 min
